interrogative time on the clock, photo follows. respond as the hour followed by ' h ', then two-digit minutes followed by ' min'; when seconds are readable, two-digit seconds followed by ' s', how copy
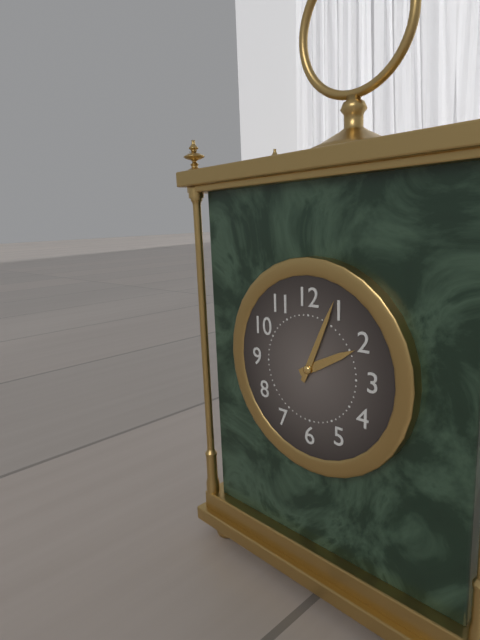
2 h 04 min
